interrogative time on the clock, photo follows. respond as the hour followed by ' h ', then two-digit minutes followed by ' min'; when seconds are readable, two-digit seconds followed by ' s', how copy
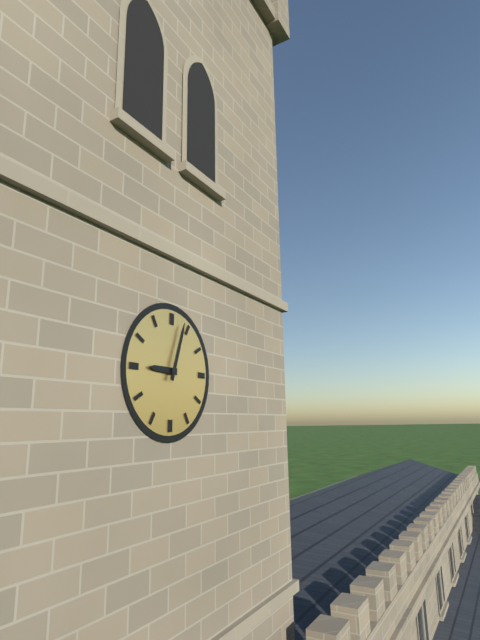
9 h 03 min
